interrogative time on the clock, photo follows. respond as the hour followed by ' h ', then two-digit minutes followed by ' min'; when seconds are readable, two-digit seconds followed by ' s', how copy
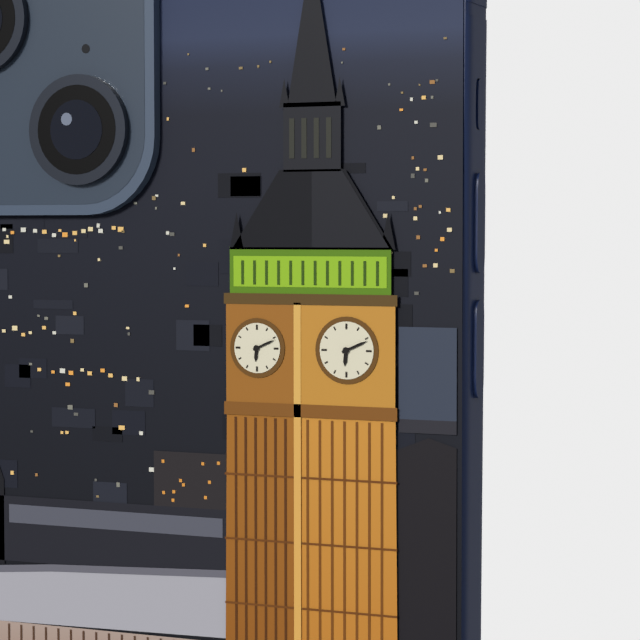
6 h 11 min
